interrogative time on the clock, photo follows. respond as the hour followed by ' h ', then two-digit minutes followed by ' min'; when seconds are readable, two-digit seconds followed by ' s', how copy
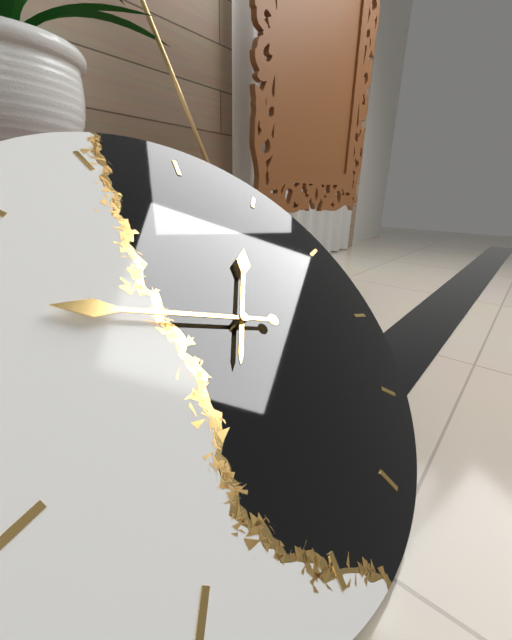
1 h 51 min
